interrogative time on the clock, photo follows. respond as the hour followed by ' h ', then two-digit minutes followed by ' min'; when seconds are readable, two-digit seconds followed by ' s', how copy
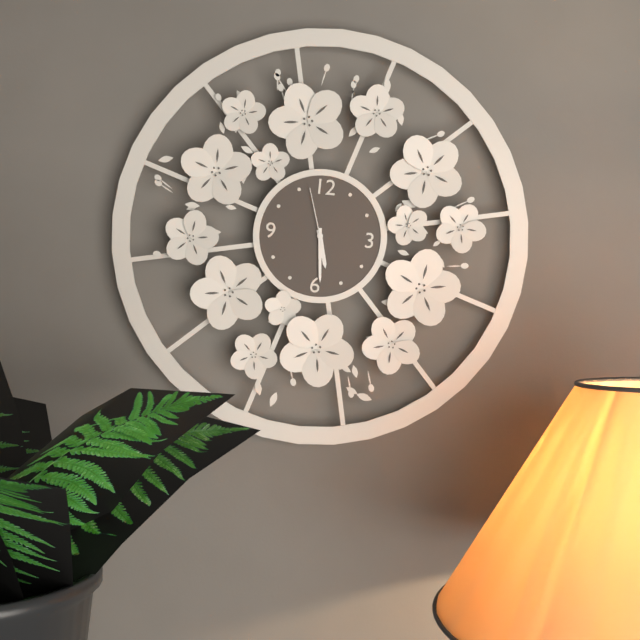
5 h 29 min 57 s
